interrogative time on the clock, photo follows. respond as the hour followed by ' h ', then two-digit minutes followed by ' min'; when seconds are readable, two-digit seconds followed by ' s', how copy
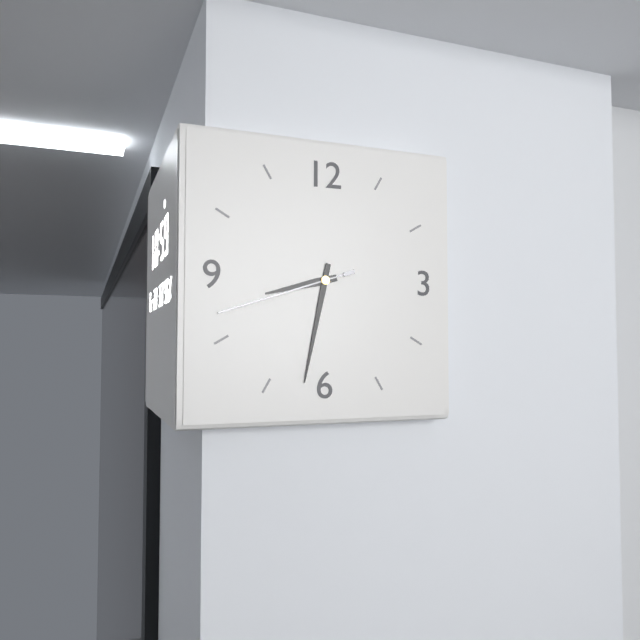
8 h 32 min 42 s
